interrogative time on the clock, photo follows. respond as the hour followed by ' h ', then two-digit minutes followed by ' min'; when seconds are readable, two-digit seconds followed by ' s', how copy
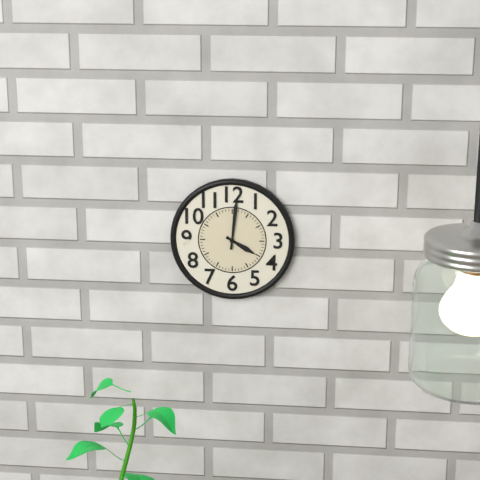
4 h 01 min
